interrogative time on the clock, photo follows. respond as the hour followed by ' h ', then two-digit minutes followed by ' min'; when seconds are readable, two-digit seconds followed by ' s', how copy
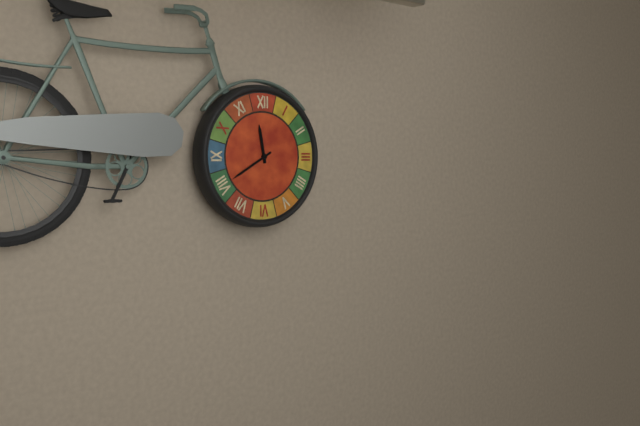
11 h 40 min
